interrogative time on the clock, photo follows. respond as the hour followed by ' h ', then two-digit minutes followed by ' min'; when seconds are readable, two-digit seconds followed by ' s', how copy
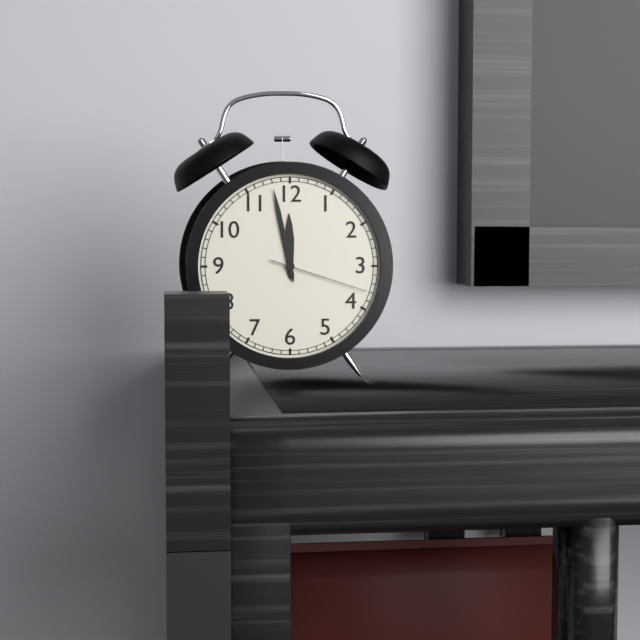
11 h 58 min 18 s
